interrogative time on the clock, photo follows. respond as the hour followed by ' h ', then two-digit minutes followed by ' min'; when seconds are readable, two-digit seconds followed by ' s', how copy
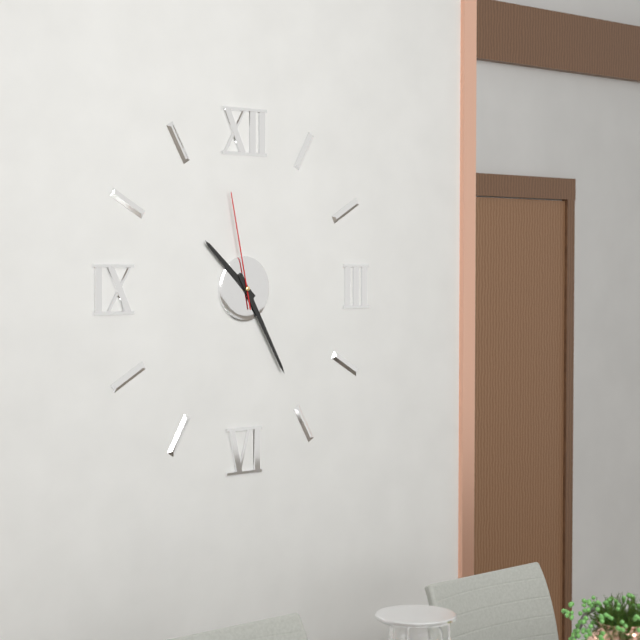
10 h 25 min 58 s
